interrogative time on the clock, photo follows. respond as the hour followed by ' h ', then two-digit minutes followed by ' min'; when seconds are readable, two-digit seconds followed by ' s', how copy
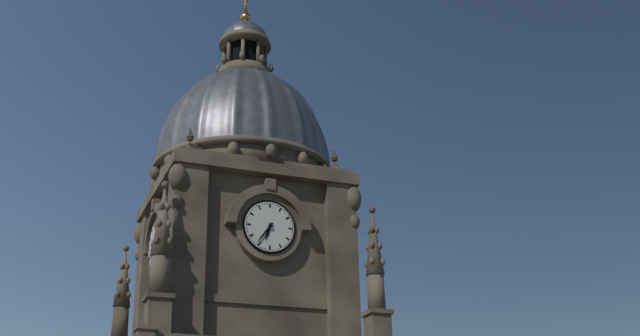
6 h 36 min
